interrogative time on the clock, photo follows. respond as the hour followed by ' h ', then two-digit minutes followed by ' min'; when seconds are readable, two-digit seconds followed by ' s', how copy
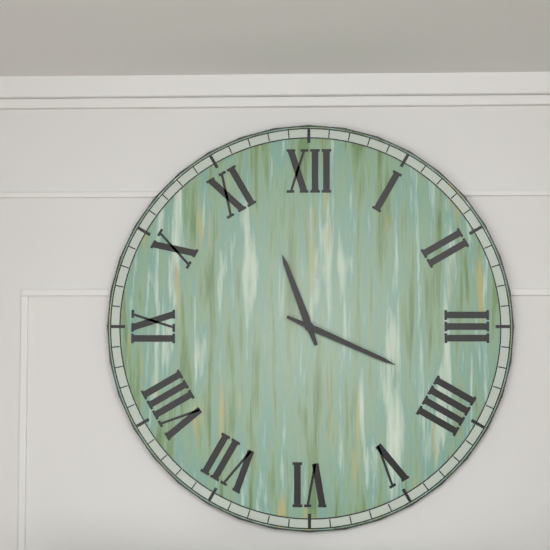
11 h 19 min
